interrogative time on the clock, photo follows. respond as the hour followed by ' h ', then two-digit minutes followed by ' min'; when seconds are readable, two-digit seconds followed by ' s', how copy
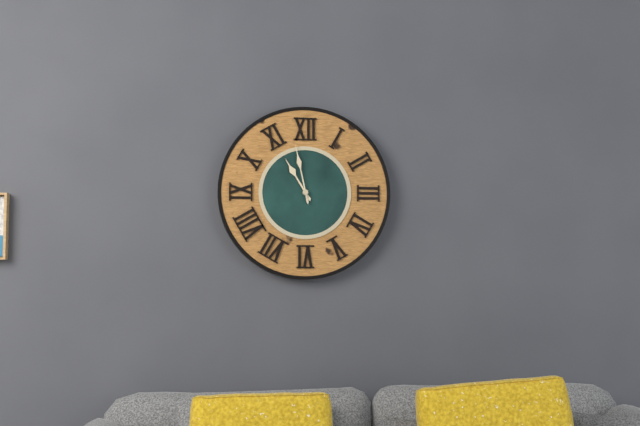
10 h 58 min
